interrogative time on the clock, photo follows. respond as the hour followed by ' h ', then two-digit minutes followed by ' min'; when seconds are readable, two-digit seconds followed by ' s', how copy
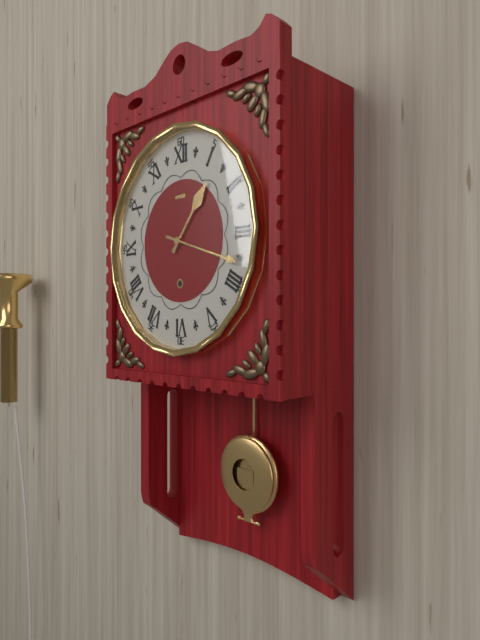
1 h 18 min
